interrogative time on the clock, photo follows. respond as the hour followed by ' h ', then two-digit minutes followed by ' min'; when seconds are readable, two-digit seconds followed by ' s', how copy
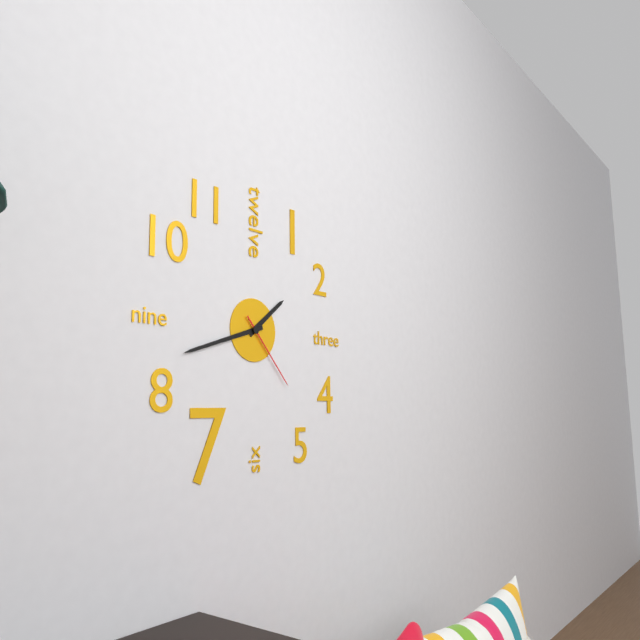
1 h 42 min 23 s
